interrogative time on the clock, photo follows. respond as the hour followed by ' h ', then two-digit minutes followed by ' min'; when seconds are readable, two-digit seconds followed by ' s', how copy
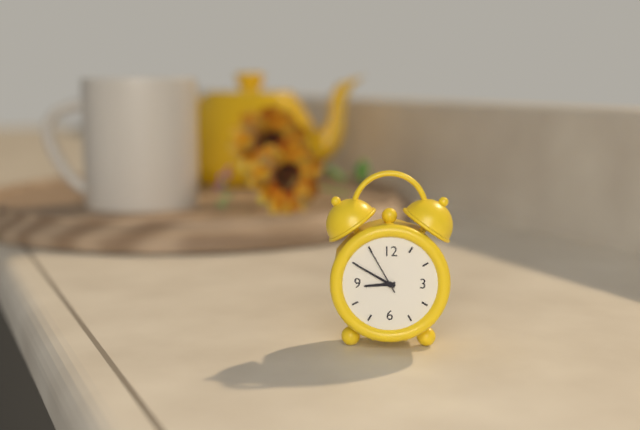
8 h 50 min 55 s
